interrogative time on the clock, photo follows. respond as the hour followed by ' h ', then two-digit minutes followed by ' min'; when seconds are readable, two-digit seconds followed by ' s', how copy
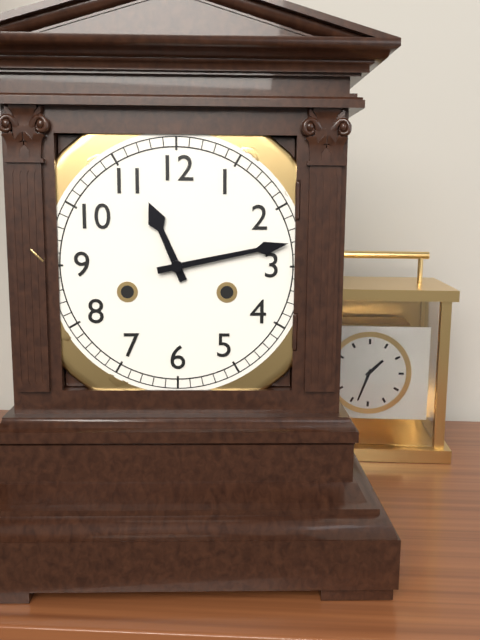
11 h 13 min
